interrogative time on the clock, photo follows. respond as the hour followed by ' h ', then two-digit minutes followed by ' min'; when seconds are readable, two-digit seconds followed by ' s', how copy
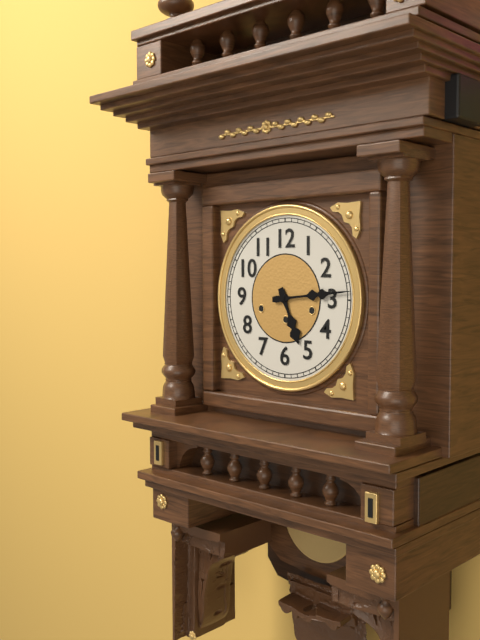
5 h 14 min
